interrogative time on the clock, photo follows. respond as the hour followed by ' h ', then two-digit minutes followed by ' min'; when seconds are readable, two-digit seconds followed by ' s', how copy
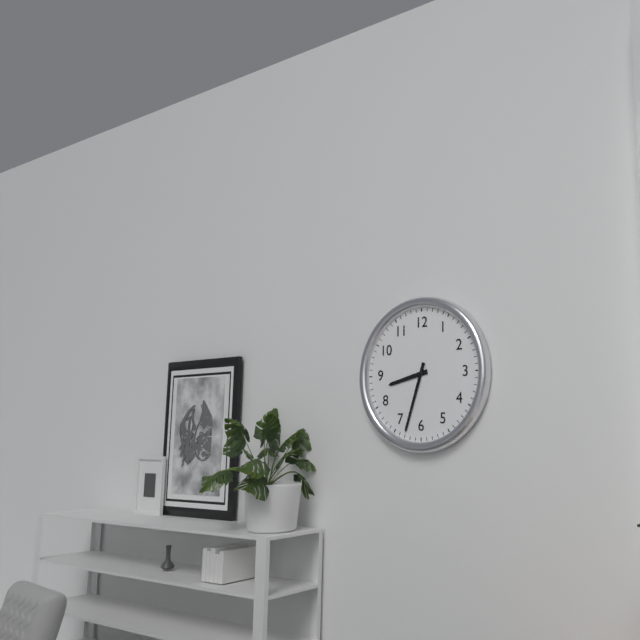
8 h 33 min
